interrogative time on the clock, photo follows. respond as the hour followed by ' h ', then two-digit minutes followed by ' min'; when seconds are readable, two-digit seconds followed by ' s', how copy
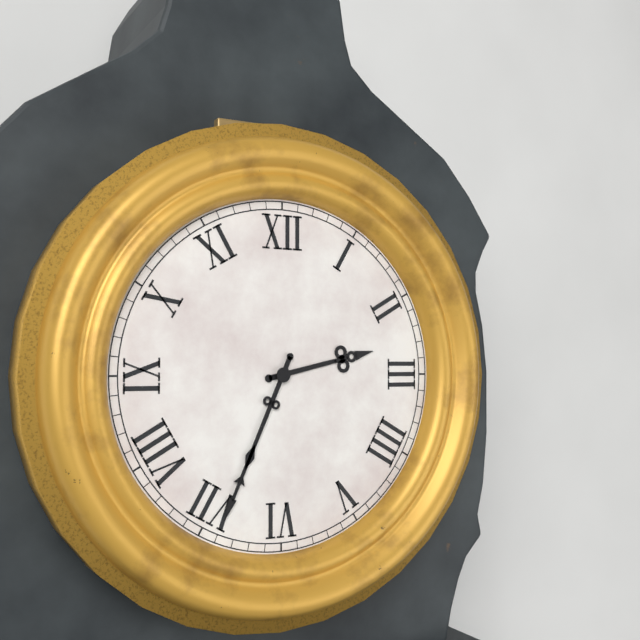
2 h 34 min
